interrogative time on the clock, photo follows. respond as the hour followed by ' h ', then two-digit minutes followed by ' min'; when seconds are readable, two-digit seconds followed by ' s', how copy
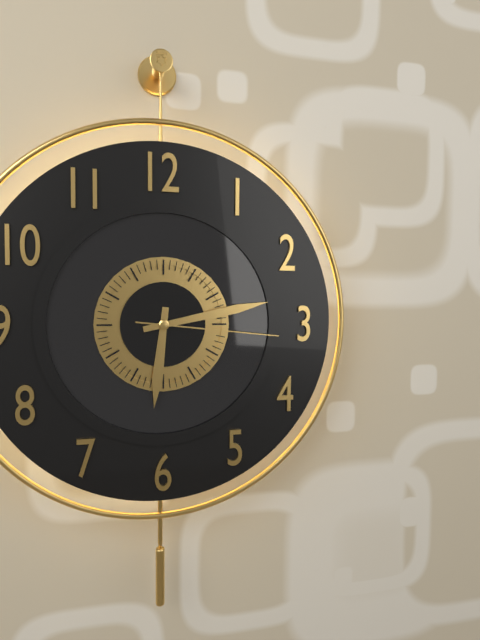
6 h 13 min 16 s
